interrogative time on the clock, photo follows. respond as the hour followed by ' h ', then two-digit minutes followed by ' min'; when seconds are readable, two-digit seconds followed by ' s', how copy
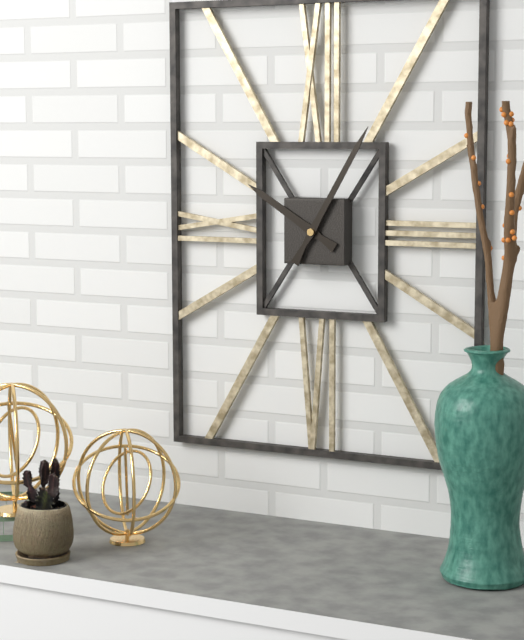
10 h 05 min
